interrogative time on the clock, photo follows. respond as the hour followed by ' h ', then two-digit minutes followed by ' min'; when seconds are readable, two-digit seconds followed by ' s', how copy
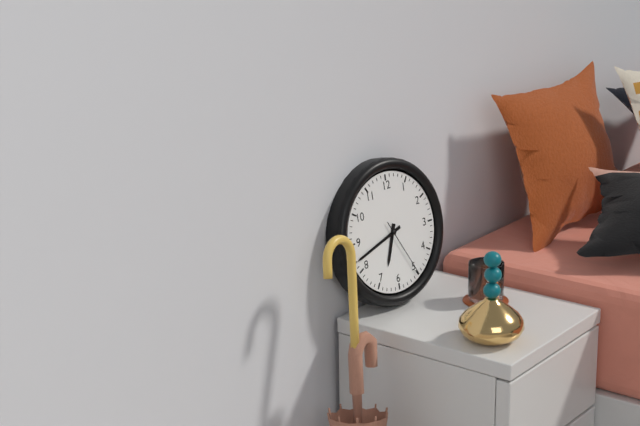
6 h 42 min 25 s
